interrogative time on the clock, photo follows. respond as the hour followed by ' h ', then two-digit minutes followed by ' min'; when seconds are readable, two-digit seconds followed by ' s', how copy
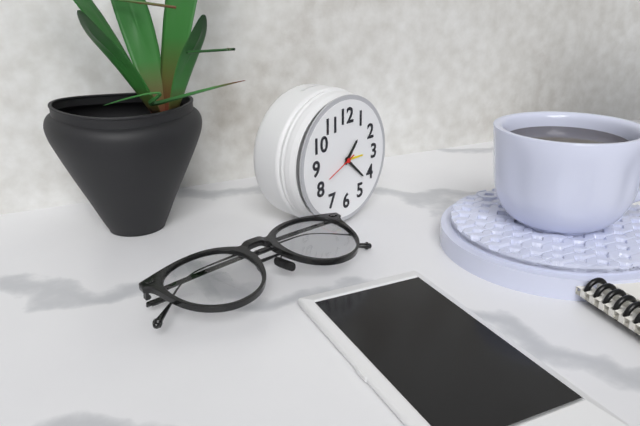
1 h 22 min
